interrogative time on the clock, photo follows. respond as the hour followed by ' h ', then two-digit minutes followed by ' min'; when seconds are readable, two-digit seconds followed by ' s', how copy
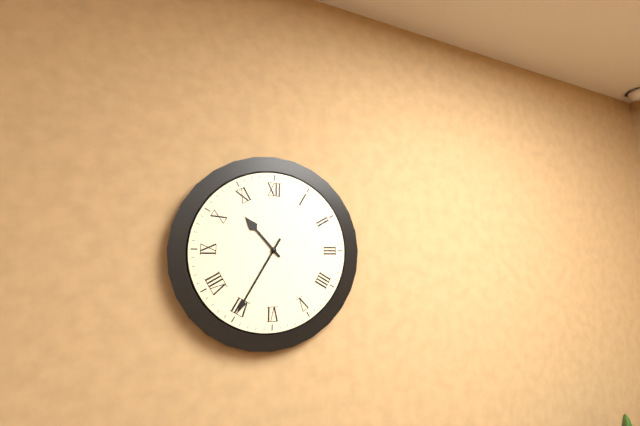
10 h 35 min
